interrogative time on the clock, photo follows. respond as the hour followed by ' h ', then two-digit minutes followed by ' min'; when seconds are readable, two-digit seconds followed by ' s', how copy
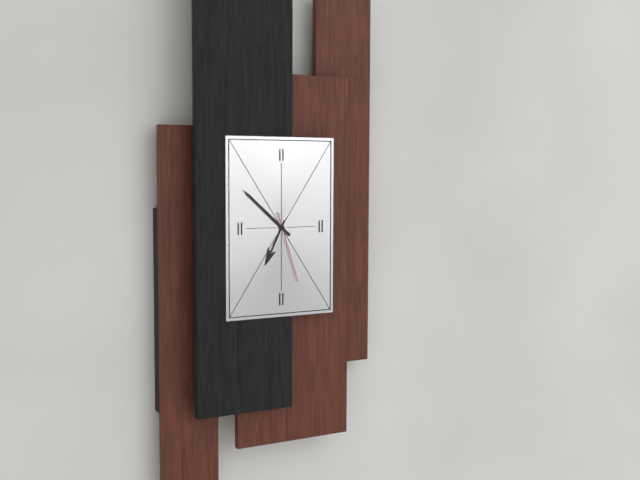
6 h 52 min 27 s
